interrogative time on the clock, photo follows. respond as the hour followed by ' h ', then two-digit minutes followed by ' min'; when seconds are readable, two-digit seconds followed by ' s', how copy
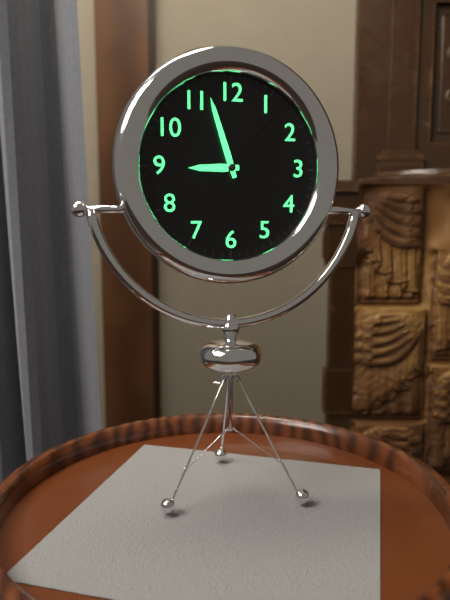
8 h 57 min 07 s
